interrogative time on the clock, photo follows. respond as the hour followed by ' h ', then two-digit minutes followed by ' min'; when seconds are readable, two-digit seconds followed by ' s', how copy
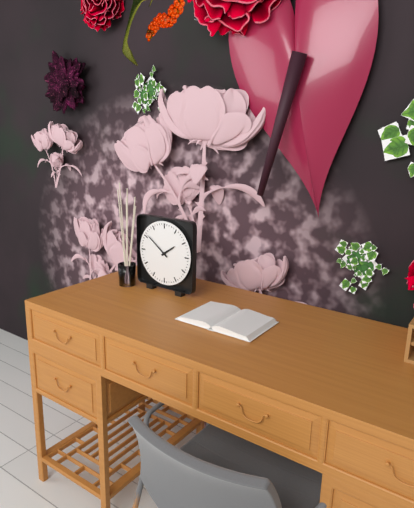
1 h 51 min
